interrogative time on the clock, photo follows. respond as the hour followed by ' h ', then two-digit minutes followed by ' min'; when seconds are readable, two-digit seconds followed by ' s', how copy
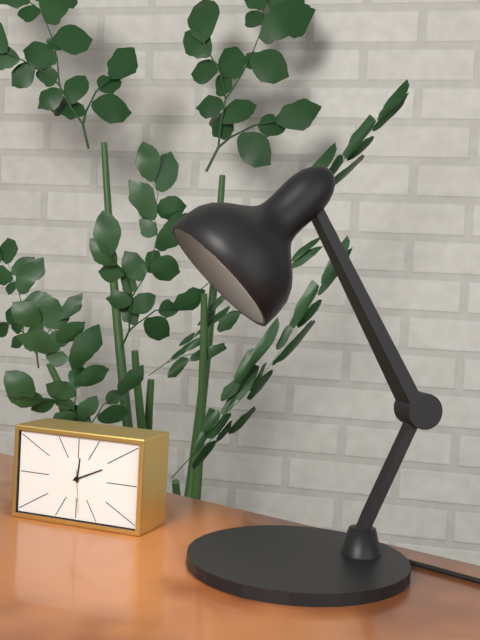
12 h 11 min
